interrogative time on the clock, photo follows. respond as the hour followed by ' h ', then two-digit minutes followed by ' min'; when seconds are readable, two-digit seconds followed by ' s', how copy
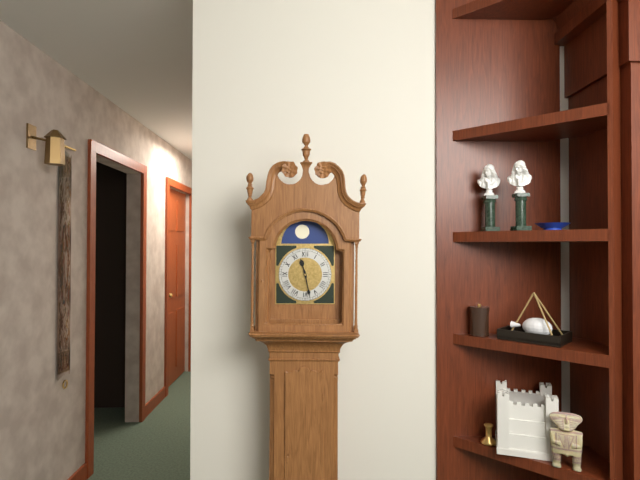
11 h 28 min
